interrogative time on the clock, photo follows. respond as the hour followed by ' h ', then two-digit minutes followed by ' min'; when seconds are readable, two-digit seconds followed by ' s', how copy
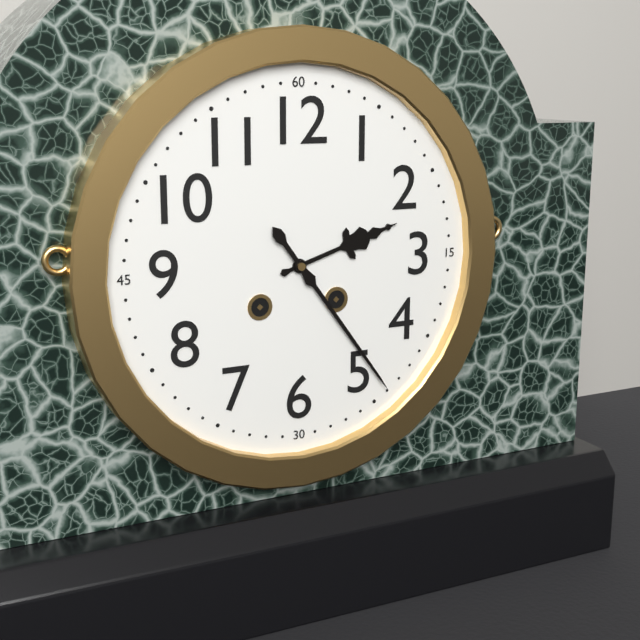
2 h 24 min
